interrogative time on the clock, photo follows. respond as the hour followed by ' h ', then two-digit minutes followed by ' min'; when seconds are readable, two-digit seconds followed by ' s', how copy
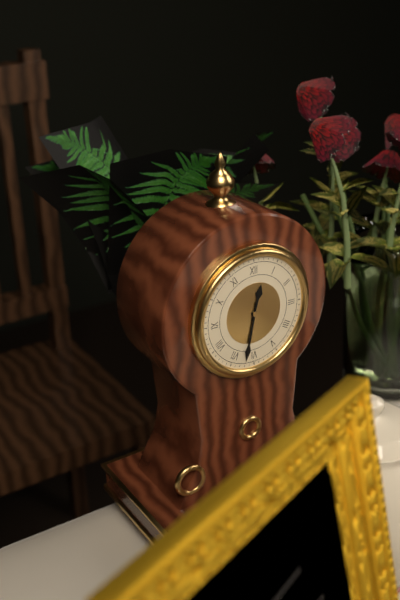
12 h 32 min
